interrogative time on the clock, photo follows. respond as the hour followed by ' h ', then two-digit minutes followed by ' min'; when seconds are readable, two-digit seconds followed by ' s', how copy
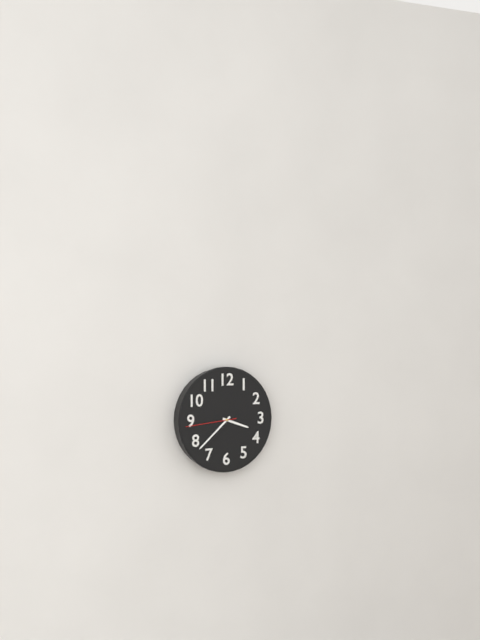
3 h 38 min 44 s
